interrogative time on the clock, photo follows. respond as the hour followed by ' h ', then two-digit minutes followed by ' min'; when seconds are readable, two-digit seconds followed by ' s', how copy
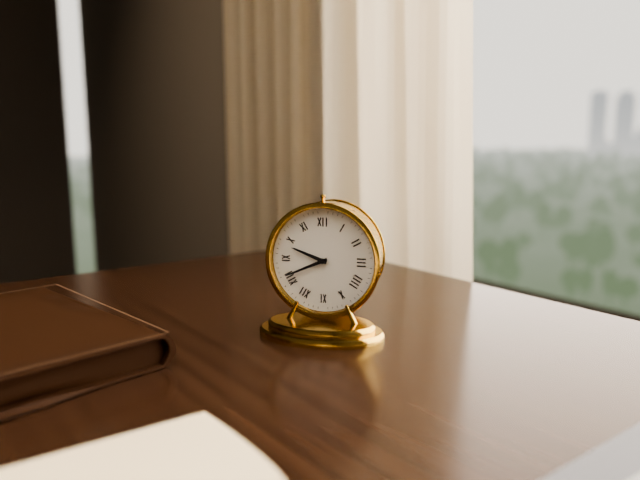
9 h 41 min
